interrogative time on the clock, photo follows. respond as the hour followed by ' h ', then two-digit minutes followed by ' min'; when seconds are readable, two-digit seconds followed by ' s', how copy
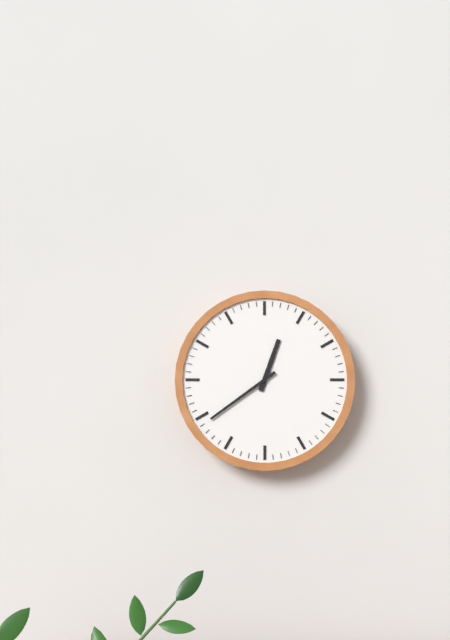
12 h 39 min
